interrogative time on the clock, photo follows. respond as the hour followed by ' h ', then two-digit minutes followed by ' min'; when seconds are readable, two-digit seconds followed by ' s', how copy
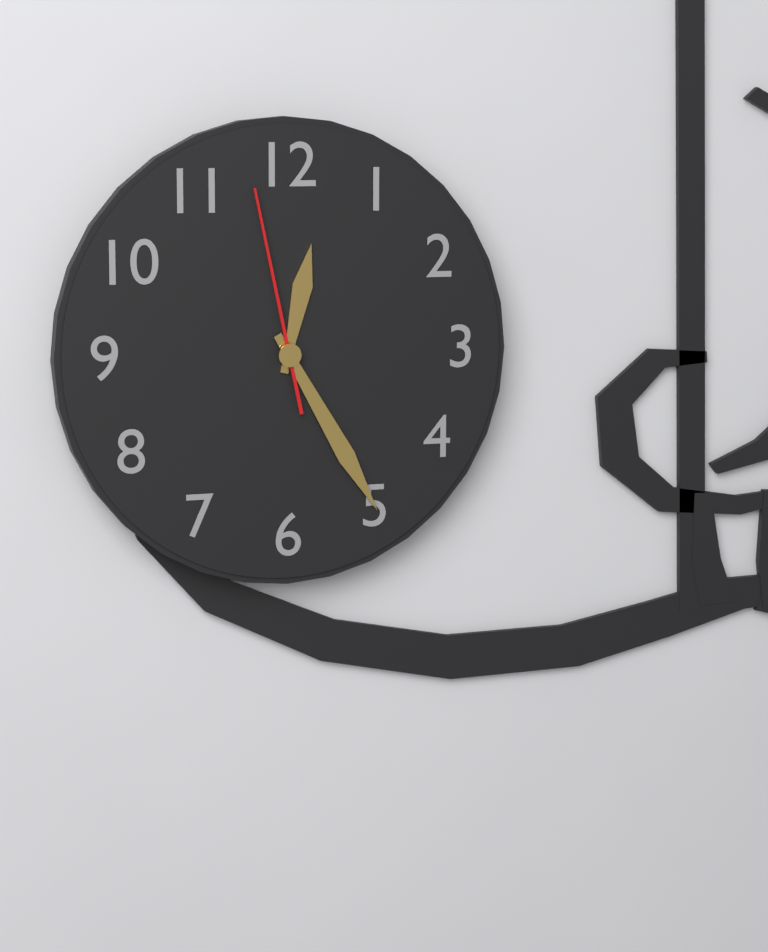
12 h 25 min 58 s
